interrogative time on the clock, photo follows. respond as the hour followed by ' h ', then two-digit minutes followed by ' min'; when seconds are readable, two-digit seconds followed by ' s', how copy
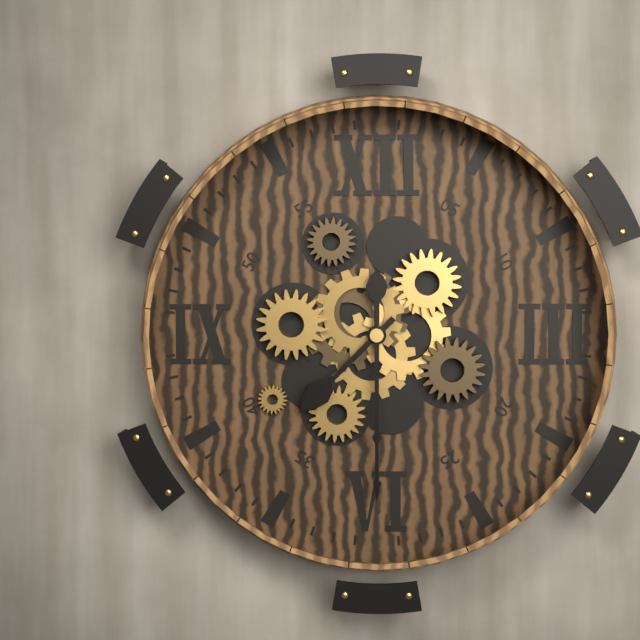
7 h 30 min
